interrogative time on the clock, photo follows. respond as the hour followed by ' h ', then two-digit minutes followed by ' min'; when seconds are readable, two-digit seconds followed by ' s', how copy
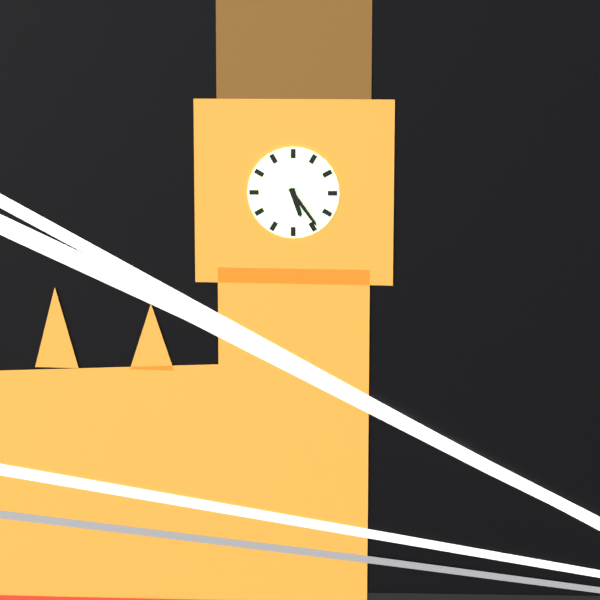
5 h 24 min
